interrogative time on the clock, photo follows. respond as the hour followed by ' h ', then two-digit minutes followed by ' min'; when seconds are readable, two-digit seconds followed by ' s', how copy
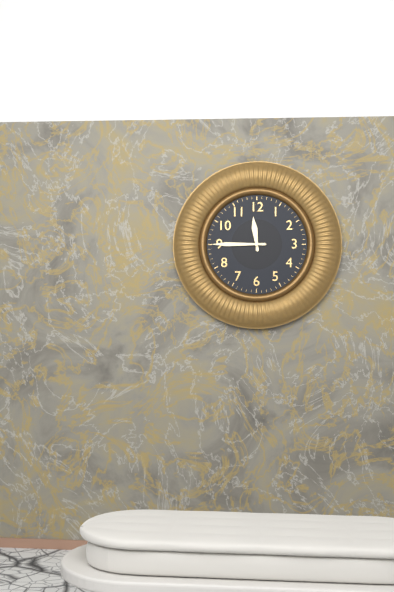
11 h 45 min
